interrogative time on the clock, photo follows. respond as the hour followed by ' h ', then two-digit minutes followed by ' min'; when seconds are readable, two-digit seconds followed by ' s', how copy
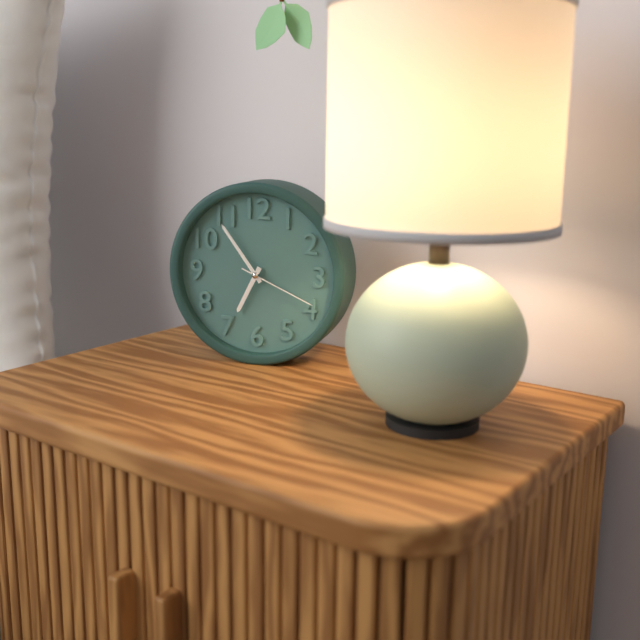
6 h 54 min 19 s
